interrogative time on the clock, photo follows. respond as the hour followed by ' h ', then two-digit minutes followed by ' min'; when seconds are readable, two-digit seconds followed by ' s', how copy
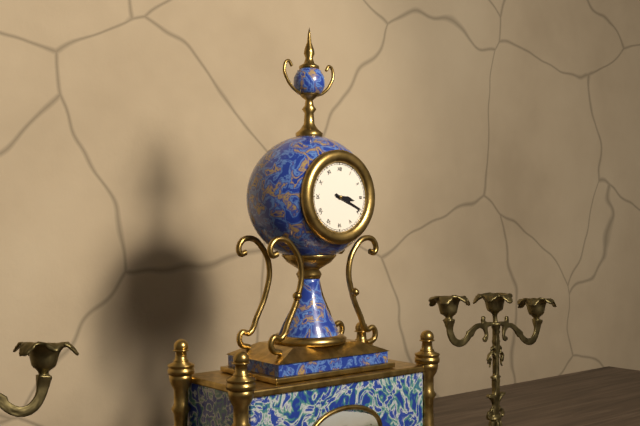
3 h 19 min
